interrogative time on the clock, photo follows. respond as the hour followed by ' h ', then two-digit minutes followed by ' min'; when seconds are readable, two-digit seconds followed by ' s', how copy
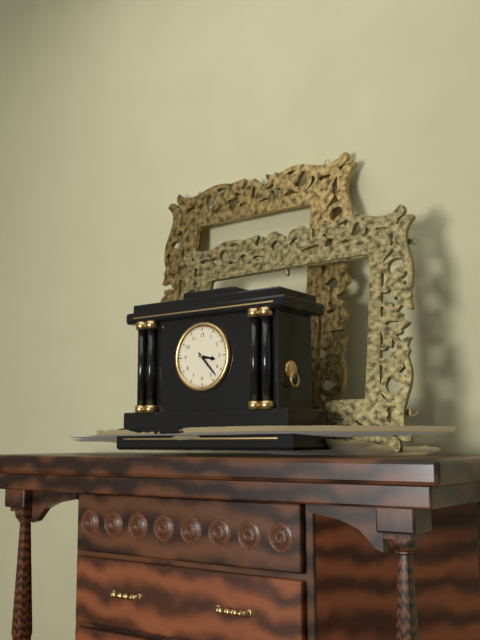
3 h 23 min
